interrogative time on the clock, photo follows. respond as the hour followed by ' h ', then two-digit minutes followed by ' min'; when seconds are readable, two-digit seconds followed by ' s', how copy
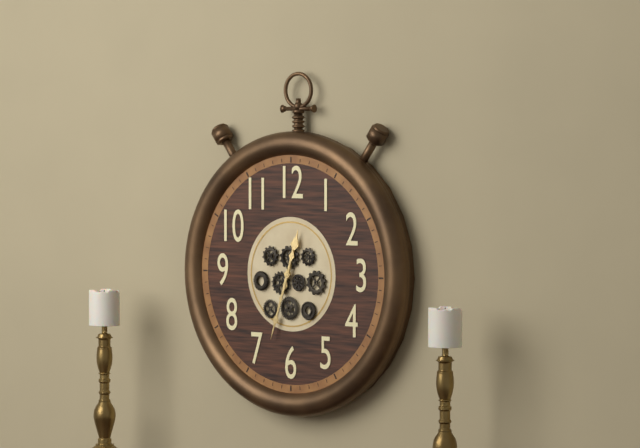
12 h 33 min
